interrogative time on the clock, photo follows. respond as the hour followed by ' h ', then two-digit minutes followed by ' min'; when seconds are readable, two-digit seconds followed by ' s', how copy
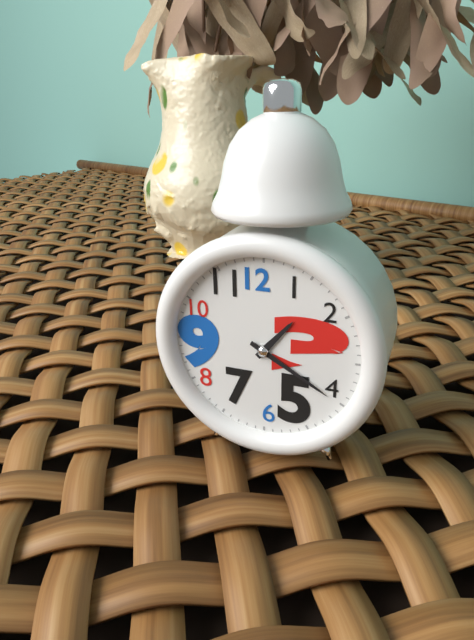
1 h 20 min
